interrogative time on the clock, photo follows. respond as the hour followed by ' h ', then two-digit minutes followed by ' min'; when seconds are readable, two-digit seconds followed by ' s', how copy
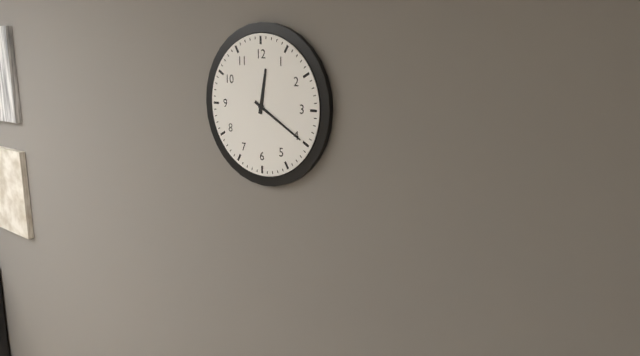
12 h 20 min
